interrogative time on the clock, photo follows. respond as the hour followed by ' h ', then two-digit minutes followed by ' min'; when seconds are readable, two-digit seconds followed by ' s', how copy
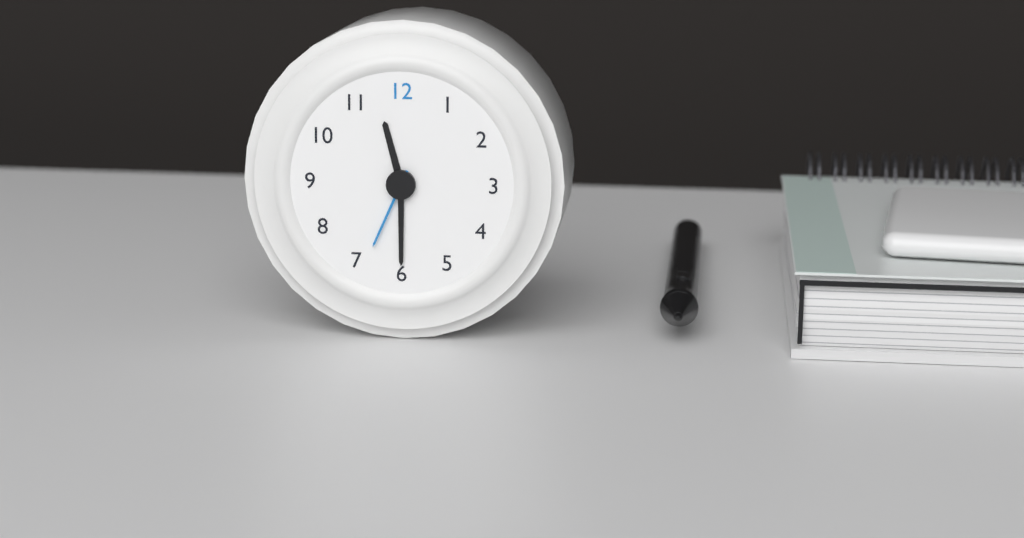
11 h 30 min 34 s
